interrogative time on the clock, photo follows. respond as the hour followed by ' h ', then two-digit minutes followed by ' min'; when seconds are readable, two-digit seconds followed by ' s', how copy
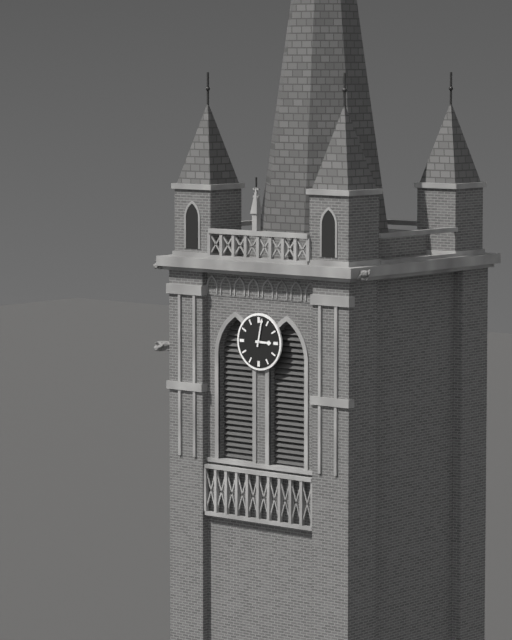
3 h 02 min
